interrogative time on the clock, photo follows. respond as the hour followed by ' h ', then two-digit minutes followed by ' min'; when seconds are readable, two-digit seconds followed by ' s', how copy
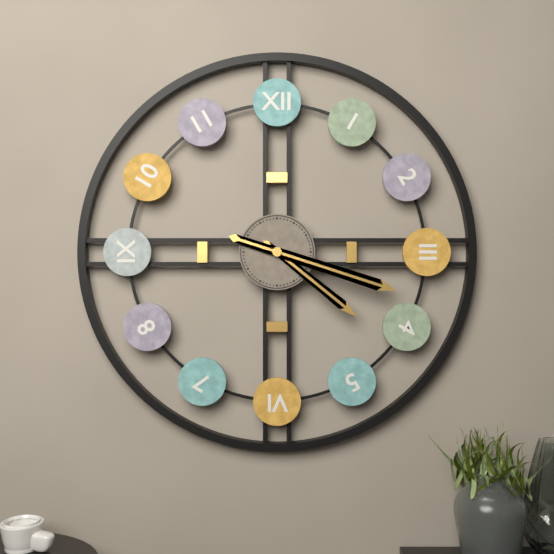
4 h 18 min
